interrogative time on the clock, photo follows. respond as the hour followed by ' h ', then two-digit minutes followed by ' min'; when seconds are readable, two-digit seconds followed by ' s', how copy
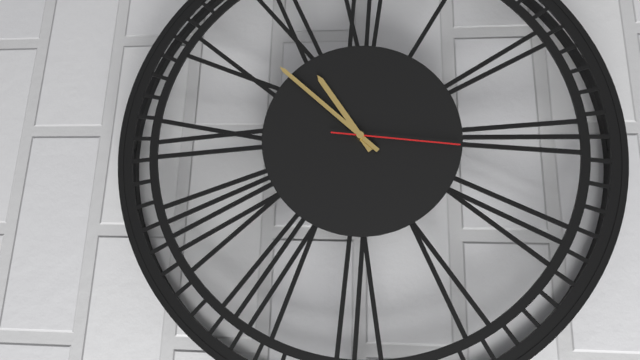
10 h 52 min 16 s
